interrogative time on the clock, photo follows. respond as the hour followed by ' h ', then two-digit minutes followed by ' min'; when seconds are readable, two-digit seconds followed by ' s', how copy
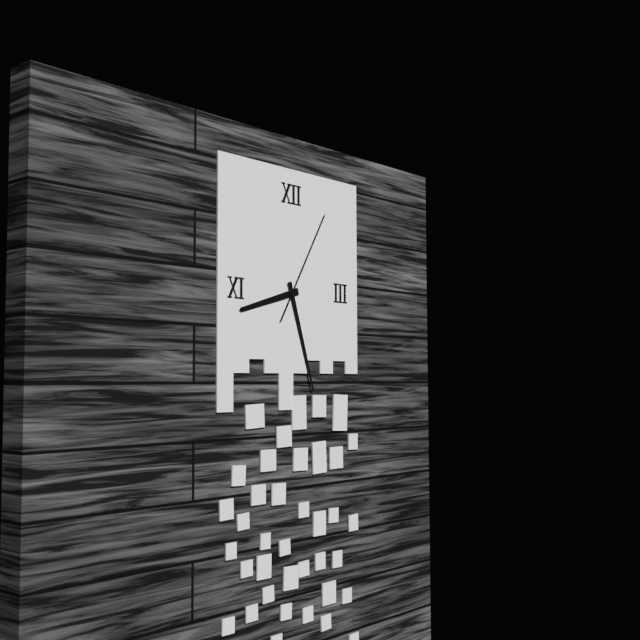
8 h 27 min 05 s
